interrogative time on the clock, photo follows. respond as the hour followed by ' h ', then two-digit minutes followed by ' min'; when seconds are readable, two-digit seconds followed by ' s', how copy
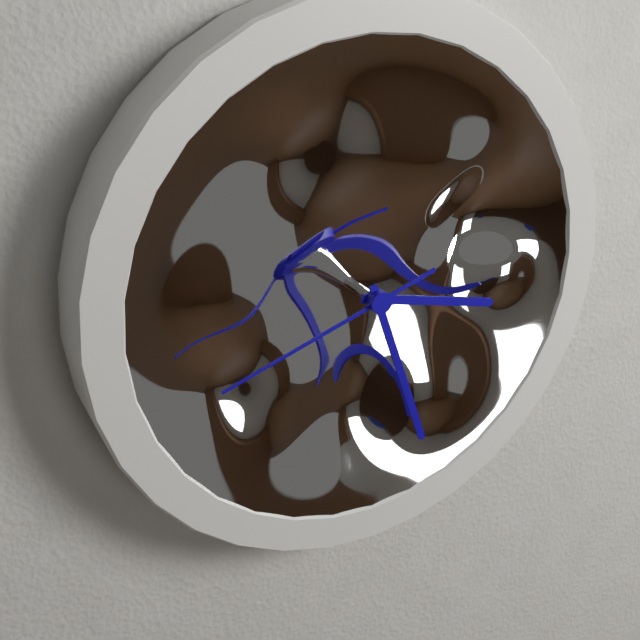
3 h 27 min 42 s
